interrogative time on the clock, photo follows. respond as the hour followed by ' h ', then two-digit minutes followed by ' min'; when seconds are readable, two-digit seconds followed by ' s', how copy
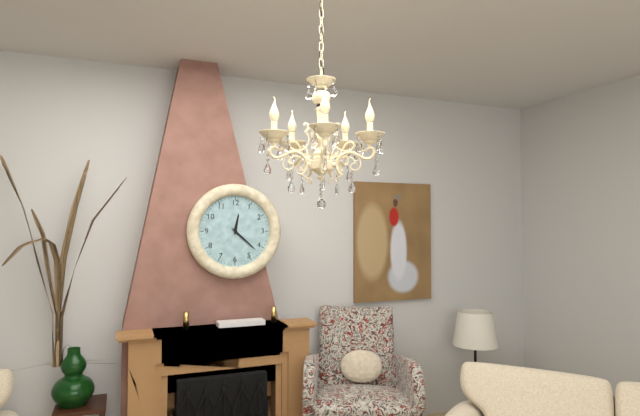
12 h 22 min
